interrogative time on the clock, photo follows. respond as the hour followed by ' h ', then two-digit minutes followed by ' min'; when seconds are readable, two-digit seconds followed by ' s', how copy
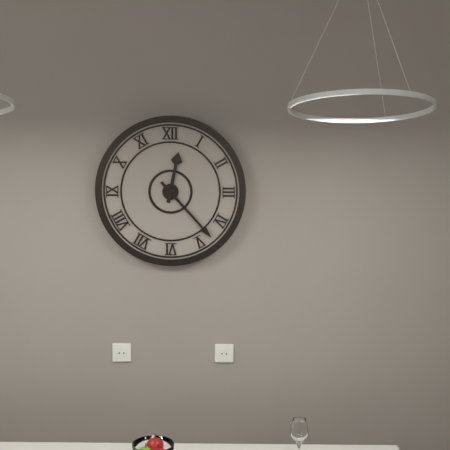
12 h 23 min
